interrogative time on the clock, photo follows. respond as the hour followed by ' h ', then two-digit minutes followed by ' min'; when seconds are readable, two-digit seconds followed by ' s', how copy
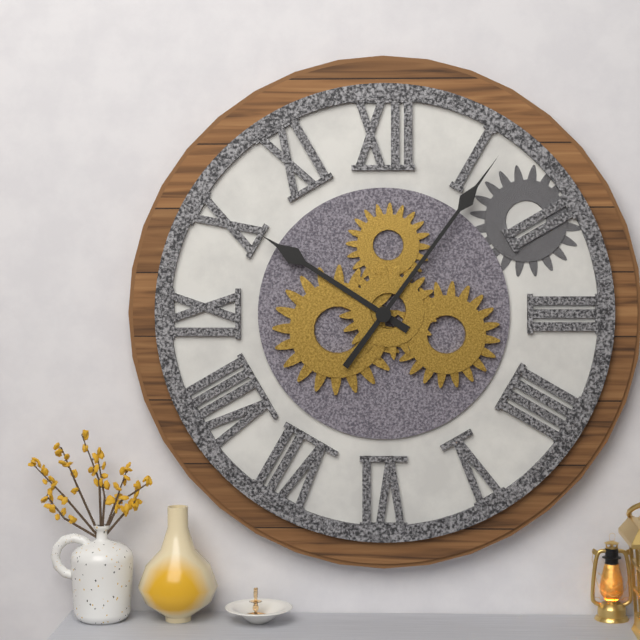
10 h 06 min
